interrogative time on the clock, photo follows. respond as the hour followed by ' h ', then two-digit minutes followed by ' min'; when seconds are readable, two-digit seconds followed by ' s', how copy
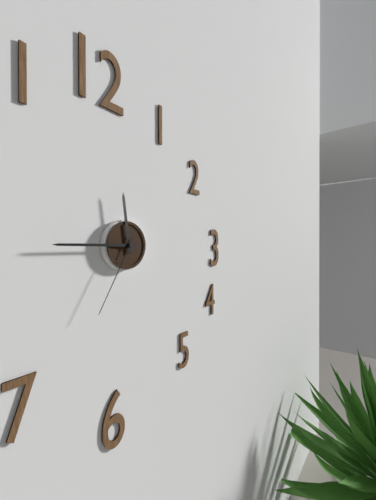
11 h 45 min 35 s
